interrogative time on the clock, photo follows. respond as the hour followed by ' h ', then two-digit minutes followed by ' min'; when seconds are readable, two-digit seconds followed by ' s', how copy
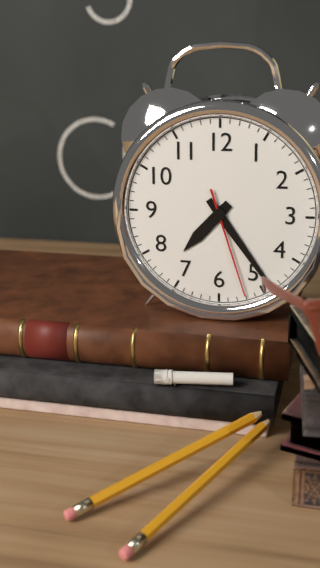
7 h 24 min 27 s
